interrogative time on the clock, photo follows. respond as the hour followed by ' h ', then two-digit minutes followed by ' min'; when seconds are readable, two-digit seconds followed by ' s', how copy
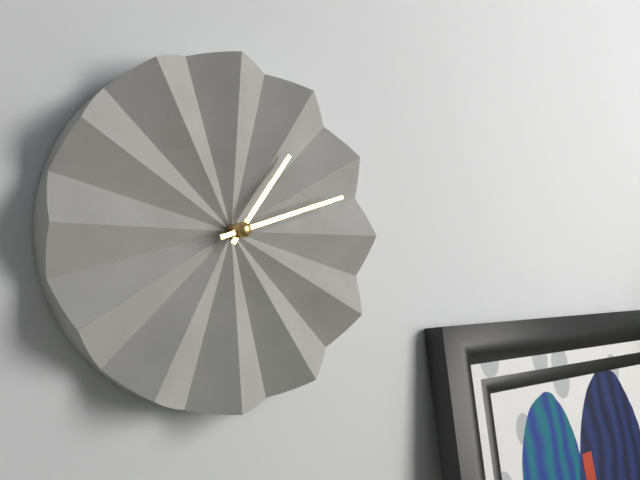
1 h 12 min
